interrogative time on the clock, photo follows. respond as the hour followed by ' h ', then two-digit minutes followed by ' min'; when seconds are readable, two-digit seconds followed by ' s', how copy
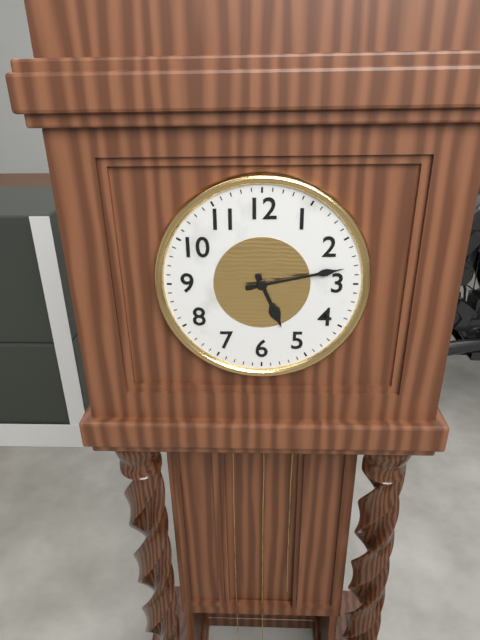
5 h 13 min
